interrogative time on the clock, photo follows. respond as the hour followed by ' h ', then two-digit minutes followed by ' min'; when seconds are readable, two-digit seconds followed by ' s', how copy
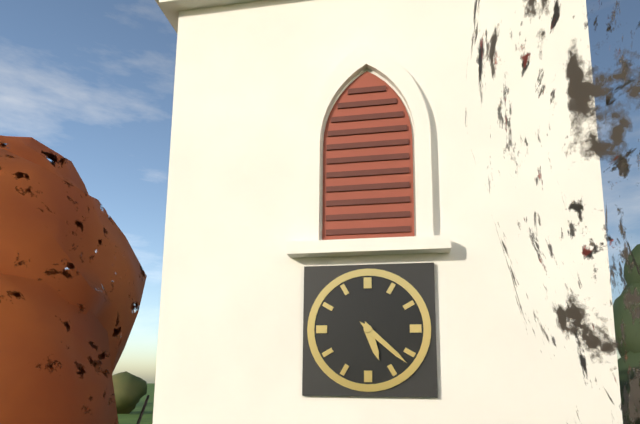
5 h 22 min
